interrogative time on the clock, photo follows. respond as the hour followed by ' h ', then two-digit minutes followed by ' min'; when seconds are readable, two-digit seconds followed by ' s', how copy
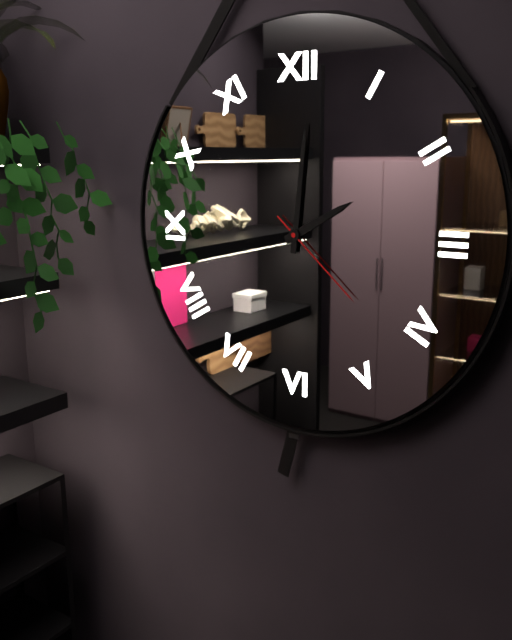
2 h 01 min 22 s
